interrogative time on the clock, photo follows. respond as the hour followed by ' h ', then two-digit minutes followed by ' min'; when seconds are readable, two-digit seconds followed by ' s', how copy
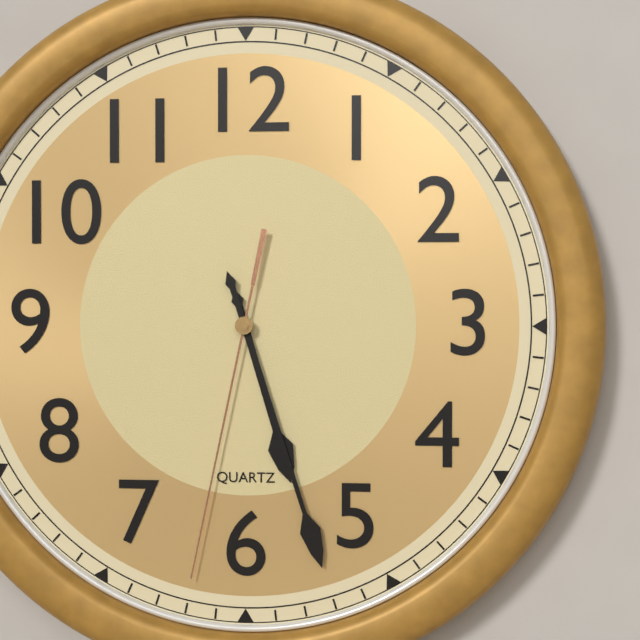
5 h 27 min 32 s
